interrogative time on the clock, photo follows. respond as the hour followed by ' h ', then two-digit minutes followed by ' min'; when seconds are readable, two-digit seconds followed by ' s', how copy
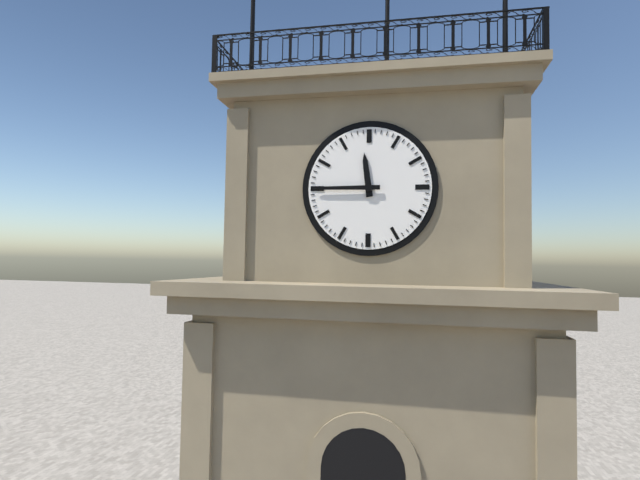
11 h 45 min
